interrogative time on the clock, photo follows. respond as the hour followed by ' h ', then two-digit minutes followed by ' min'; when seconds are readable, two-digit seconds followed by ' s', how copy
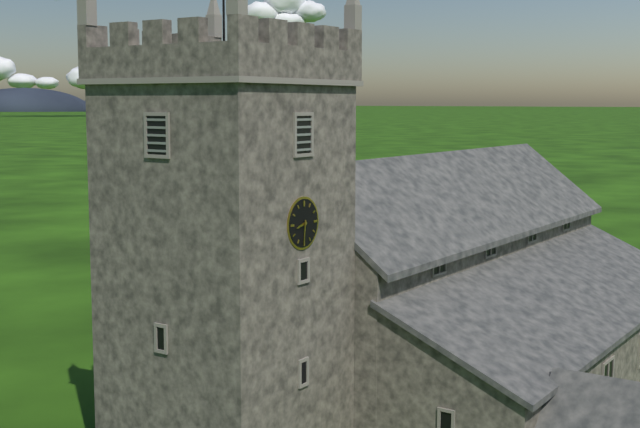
8 h 31 min
